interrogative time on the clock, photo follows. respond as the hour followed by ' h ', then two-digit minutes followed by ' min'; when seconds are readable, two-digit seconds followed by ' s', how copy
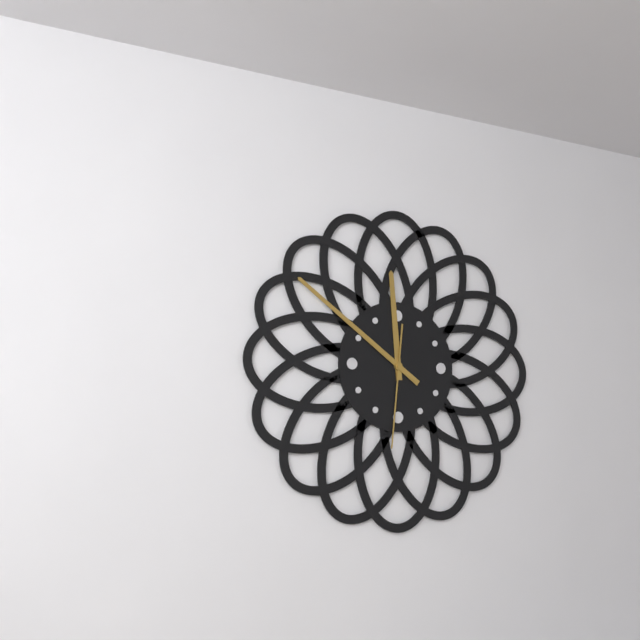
11 h 51 min 31 s
